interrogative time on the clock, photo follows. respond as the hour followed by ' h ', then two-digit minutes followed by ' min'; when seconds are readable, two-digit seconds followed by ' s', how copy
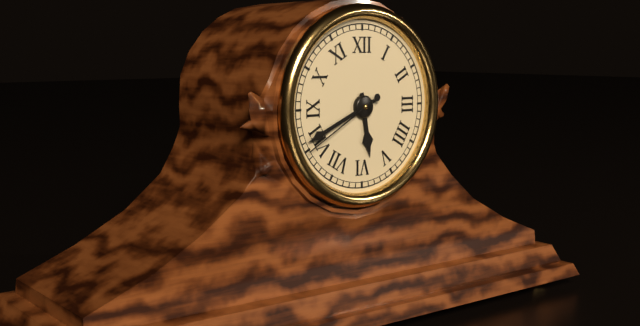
5 h 41 min 40 s
